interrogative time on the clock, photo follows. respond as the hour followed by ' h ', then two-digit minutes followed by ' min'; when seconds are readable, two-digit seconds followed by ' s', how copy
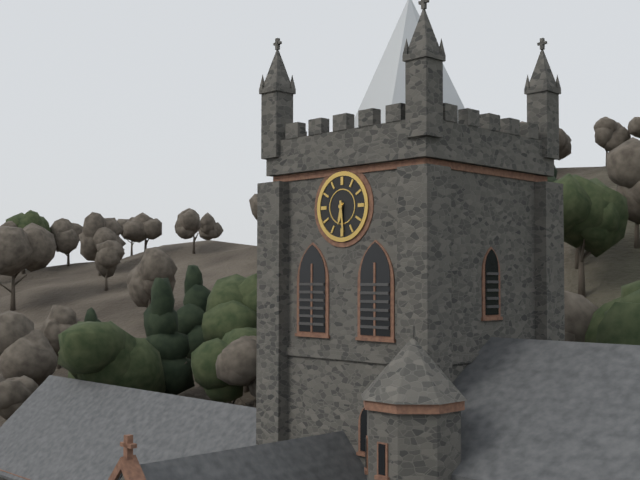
6 h 29 min
